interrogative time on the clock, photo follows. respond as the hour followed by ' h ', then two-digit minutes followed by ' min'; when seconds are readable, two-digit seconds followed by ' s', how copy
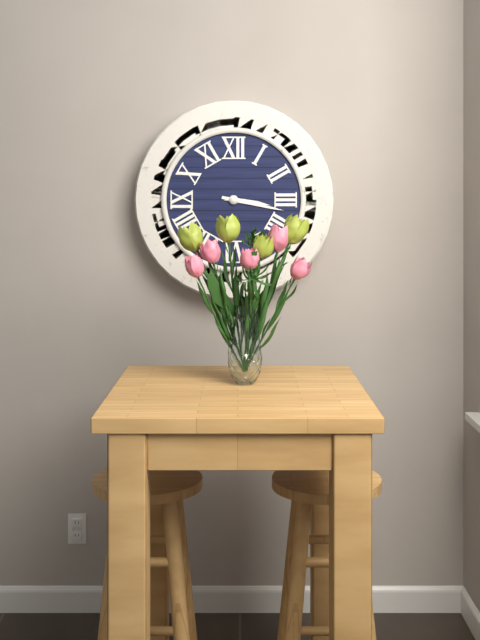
3 h 17 min
